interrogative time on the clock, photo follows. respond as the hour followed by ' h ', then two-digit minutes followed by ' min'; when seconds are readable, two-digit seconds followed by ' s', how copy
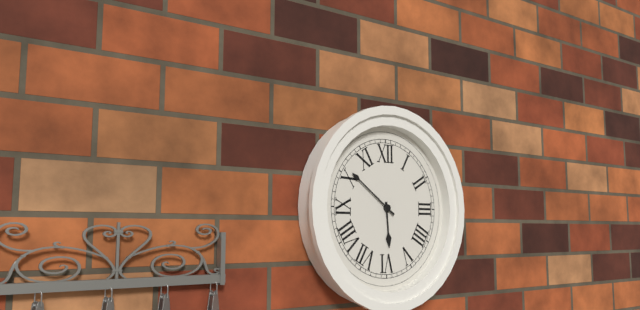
5 h 51 min
